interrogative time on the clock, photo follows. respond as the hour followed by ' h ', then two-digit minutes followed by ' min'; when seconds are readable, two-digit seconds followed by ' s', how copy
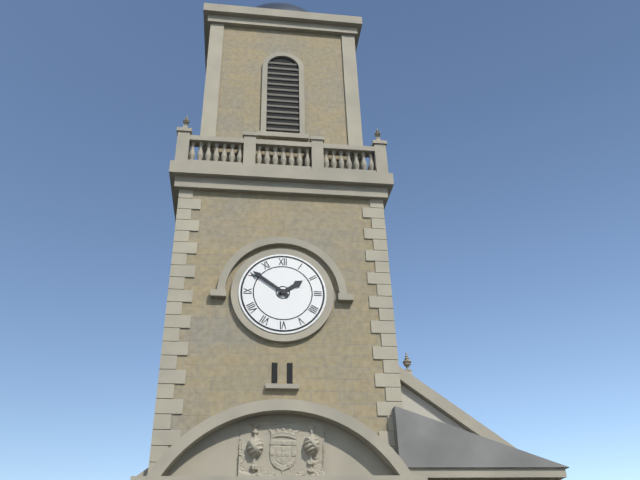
1 h 51 min
